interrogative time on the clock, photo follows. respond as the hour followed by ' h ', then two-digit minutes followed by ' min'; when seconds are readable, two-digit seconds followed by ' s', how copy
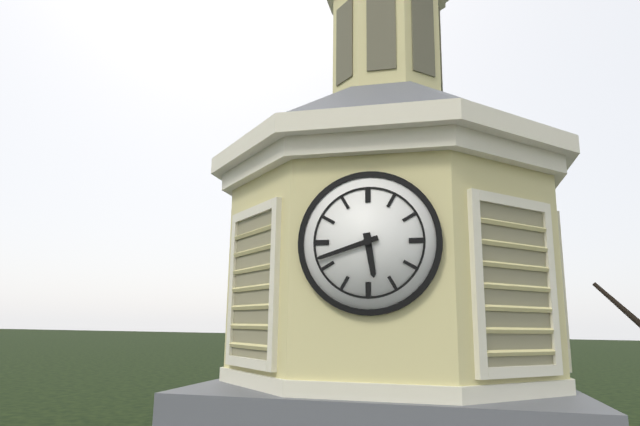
5 h 42 min
